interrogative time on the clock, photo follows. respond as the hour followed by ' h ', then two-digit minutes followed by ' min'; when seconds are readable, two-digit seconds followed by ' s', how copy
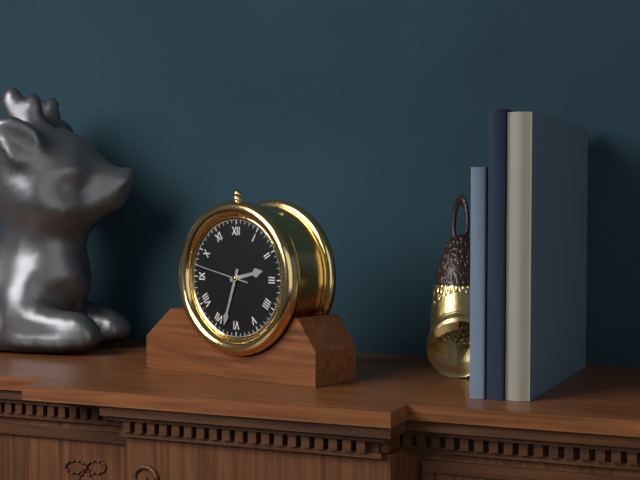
2 h 33 min 47 s
